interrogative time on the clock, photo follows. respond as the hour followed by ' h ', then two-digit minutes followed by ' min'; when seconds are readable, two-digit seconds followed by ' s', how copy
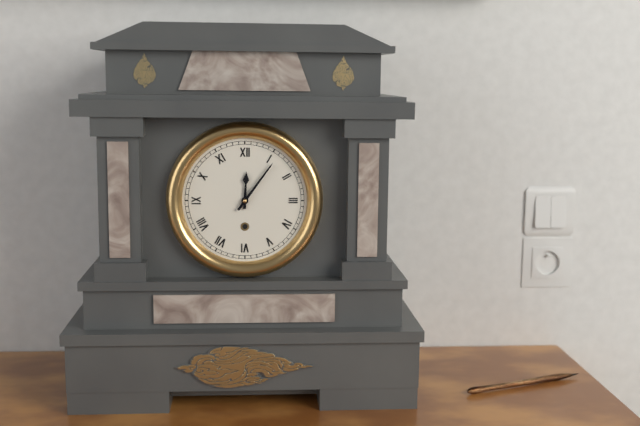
12 h 06 min
